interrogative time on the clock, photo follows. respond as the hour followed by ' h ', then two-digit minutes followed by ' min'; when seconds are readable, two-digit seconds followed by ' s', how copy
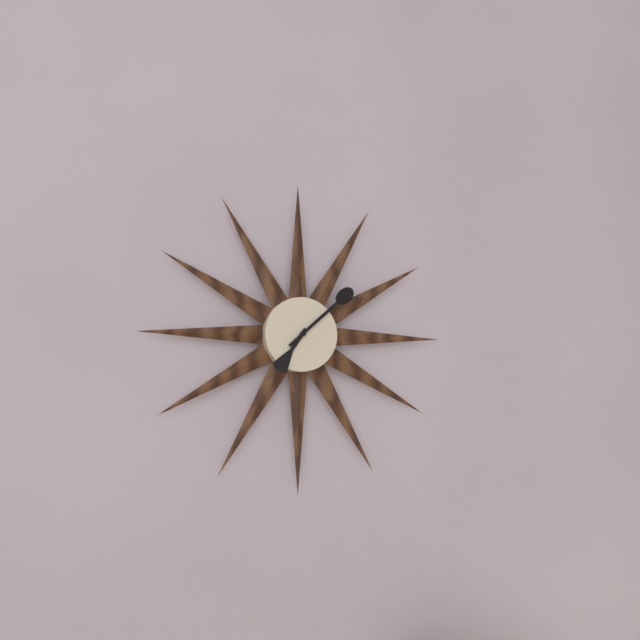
7 h 08 min
